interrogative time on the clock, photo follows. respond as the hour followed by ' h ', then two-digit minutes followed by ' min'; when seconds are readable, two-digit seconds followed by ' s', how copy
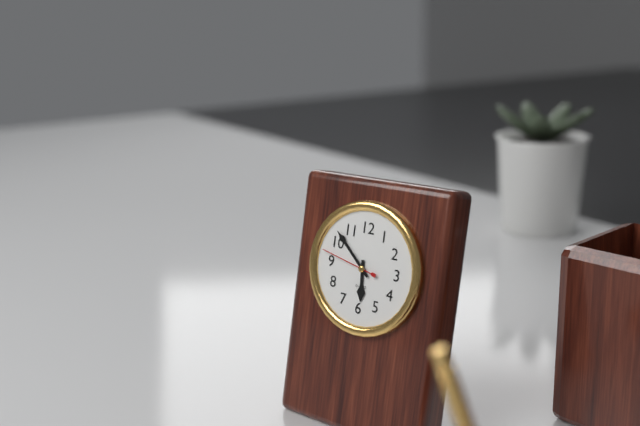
5 h 52 min 47 s
